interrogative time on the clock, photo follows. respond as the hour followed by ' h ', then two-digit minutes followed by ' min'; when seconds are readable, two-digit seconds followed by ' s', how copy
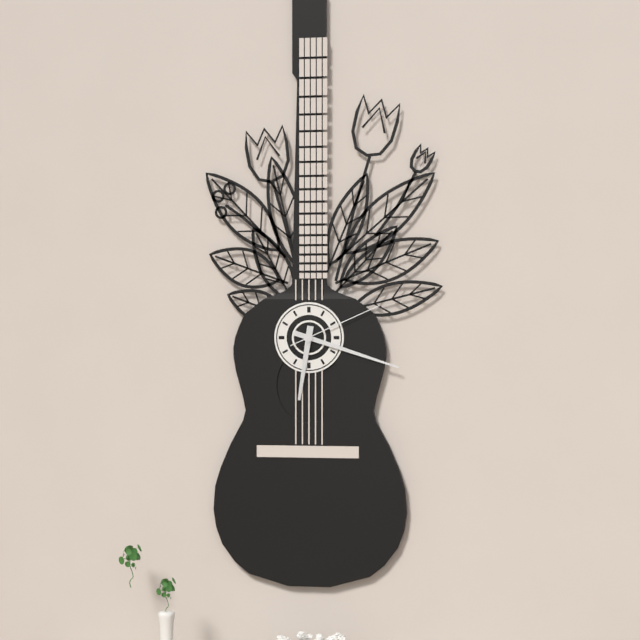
6 h 18 min 11 s
